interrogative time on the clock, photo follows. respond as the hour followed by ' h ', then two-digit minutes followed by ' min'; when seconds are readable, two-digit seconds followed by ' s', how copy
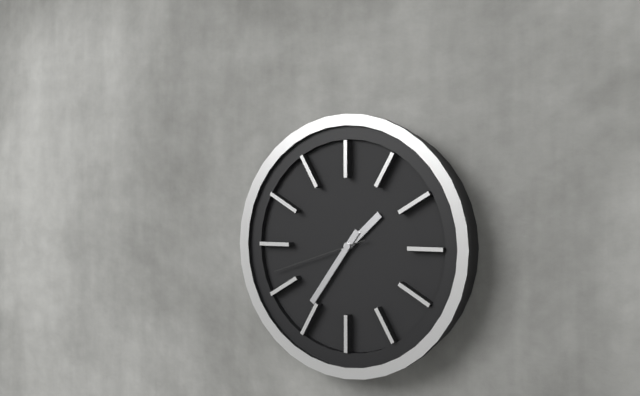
1 h 36 min 42 s
